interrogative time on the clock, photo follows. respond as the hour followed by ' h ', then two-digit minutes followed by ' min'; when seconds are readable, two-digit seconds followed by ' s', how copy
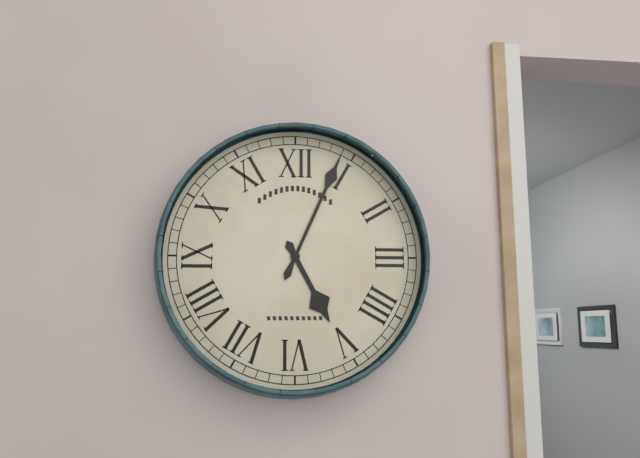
5 h 04 min
